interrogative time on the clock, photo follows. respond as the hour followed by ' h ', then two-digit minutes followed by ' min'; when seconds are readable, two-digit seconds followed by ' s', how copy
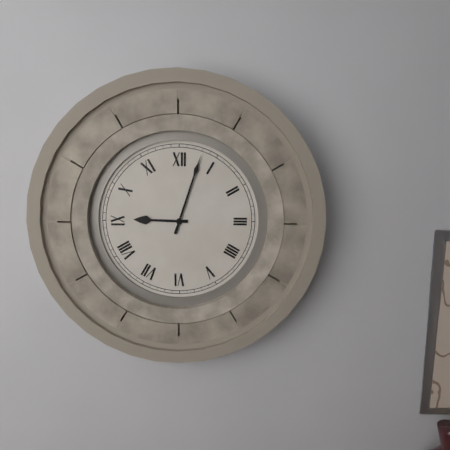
9 h 03 min
